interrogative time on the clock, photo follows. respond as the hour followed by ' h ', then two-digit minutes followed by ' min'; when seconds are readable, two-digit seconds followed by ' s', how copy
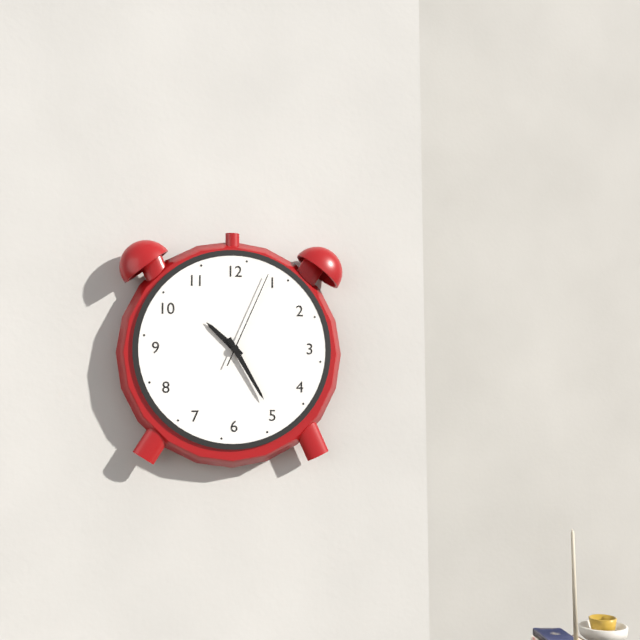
10 h 25 min 04 s
